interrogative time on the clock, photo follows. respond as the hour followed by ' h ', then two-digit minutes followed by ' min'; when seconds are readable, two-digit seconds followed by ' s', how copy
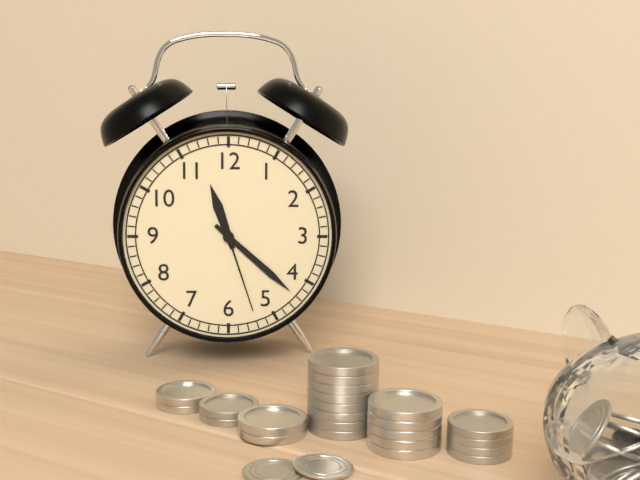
11 h 22 min 27 s
